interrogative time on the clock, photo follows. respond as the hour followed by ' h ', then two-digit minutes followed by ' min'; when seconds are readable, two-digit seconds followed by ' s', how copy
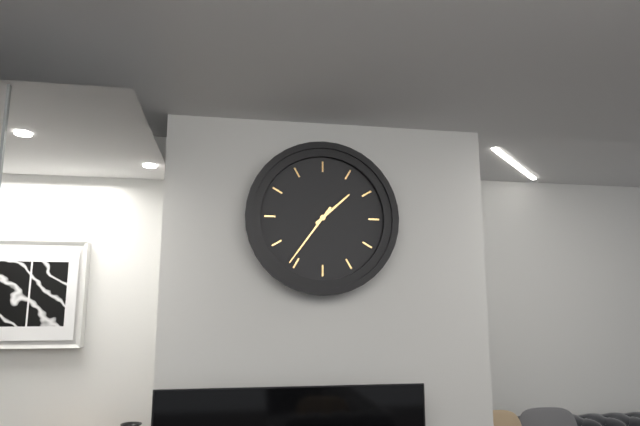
1 h 36 min
